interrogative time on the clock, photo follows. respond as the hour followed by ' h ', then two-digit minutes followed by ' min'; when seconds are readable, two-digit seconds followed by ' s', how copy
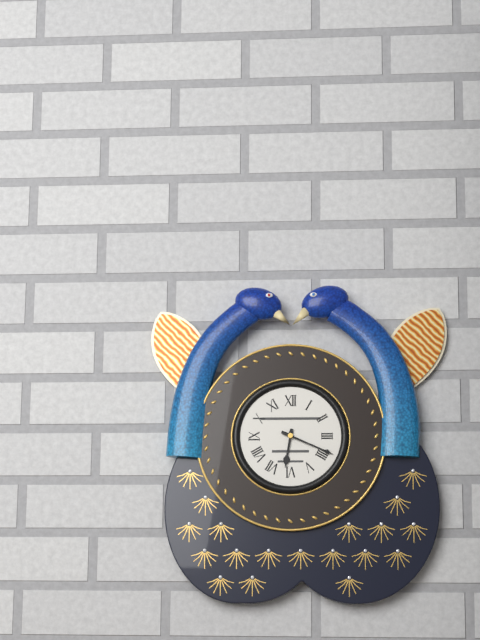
6 h 19 min
